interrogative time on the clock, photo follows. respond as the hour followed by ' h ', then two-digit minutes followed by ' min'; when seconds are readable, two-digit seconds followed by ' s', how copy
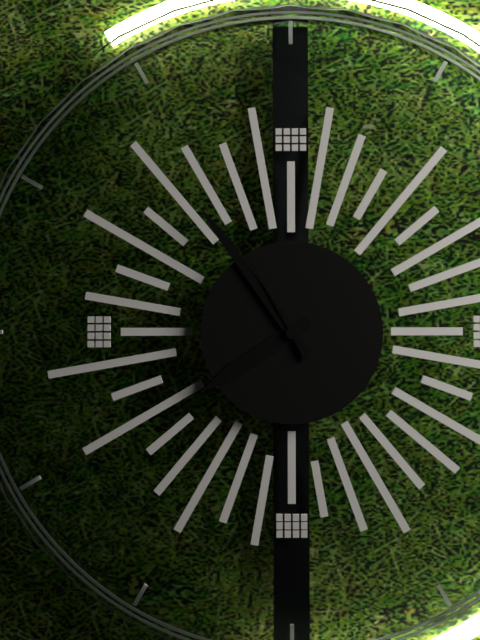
7 h 54 min 55 s
